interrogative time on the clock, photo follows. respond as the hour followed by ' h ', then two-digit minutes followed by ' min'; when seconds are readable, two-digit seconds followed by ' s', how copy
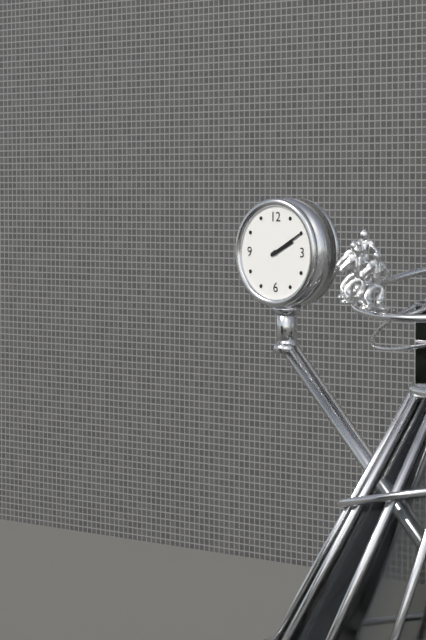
2 h 10 min
